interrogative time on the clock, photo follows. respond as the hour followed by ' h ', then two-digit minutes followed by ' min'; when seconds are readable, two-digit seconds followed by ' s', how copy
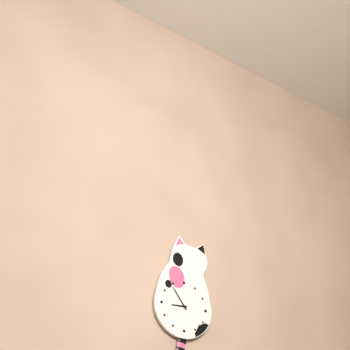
8 h 54 min
